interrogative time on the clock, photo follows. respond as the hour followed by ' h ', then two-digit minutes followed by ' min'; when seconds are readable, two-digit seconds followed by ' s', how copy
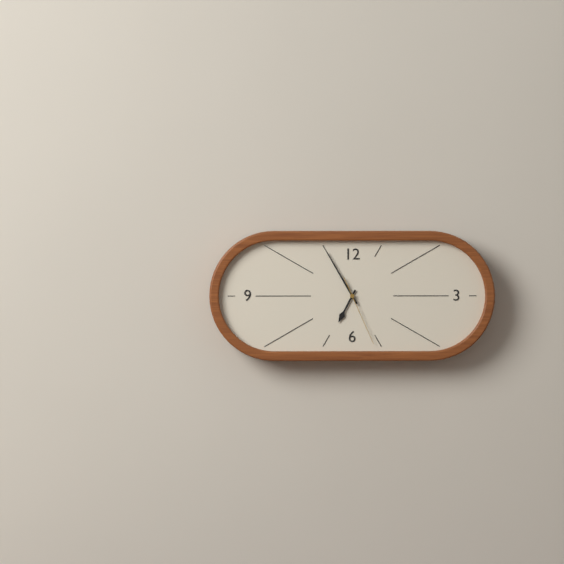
6 h 55 min 26 s
